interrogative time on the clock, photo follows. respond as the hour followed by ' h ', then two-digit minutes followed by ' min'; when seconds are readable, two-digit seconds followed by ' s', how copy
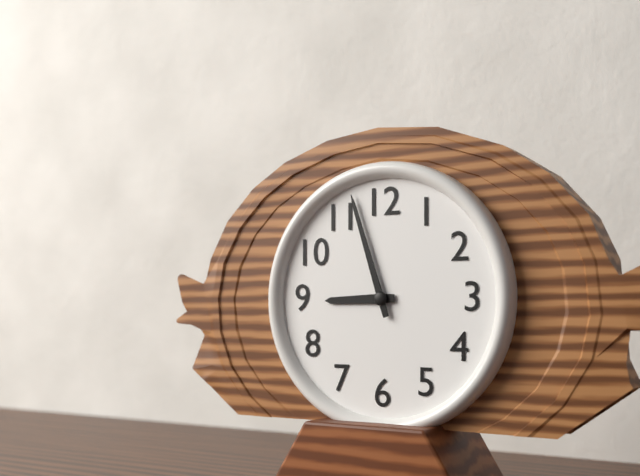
8 h 57 min
